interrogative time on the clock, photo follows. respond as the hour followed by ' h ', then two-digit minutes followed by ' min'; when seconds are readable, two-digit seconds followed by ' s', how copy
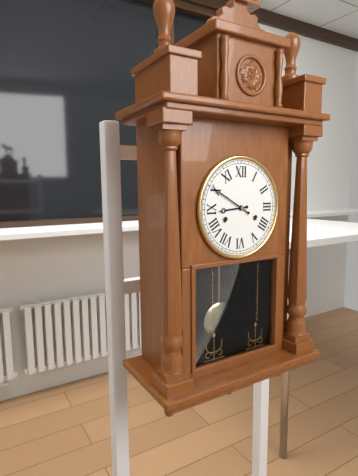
8 h 50 min
